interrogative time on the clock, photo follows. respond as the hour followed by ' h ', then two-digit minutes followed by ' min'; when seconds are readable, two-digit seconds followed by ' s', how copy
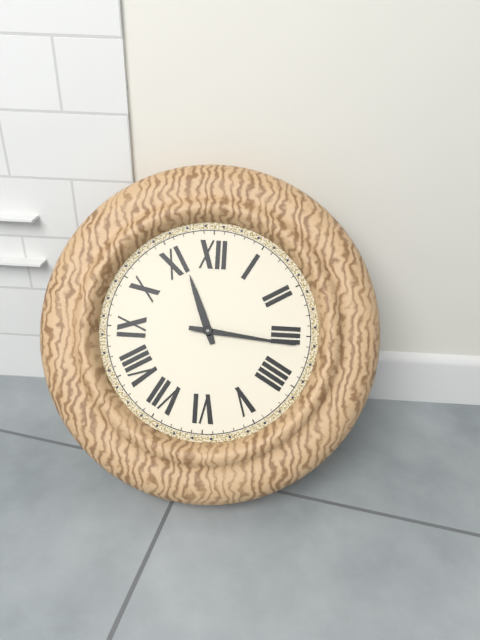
11 h 16 min
